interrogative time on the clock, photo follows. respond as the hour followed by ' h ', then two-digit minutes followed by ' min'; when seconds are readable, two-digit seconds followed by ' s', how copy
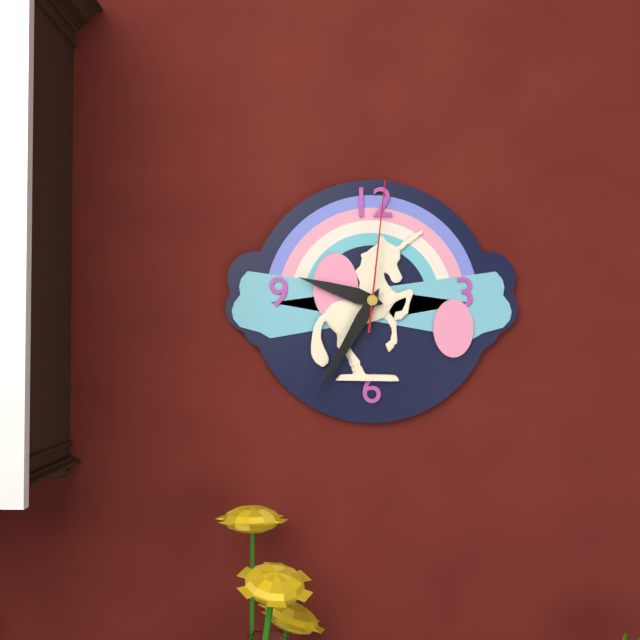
9 h 35 min 01 s
